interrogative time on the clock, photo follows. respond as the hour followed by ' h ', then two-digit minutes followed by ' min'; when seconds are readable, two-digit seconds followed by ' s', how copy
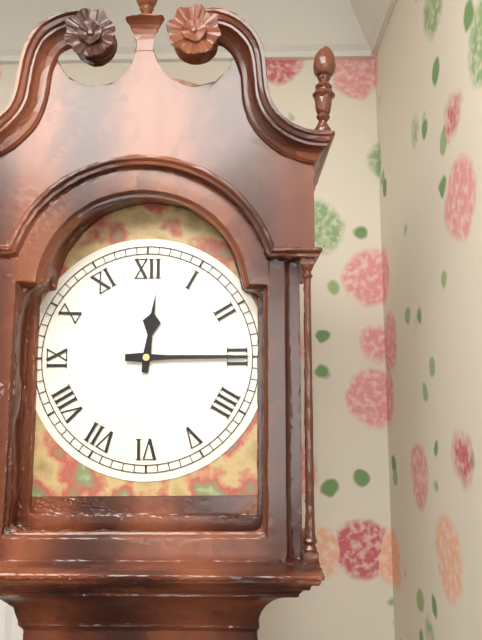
12 h 15 min
